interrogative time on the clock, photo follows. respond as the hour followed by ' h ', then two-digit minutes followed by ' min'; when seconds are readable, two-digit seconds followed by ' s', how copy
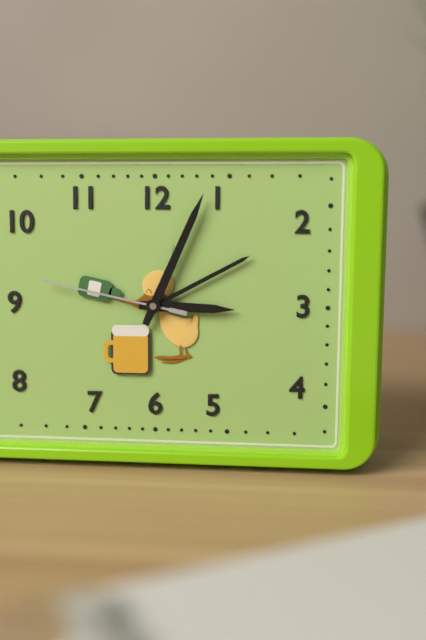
3 h 04 min 47 s
